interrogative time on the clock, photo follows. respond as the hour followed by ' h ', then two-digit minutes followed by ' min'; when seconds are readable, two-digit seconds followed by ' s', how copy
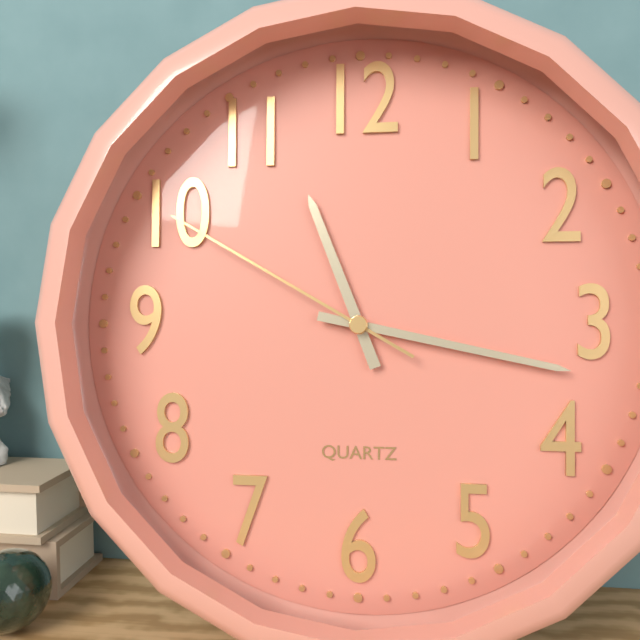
11 h 17 min 50 s
